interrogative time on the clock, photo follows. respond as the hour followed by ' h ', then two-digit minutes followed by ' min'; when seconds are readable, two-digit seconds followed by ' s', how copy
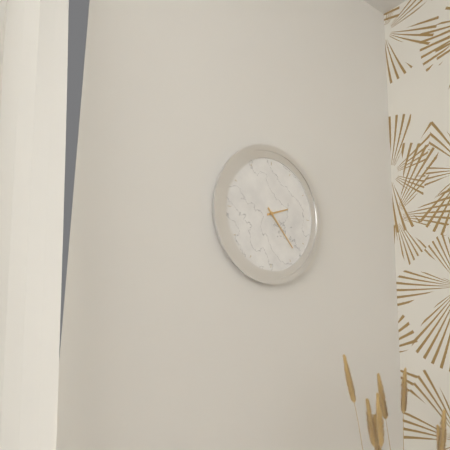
2 h 23 min
